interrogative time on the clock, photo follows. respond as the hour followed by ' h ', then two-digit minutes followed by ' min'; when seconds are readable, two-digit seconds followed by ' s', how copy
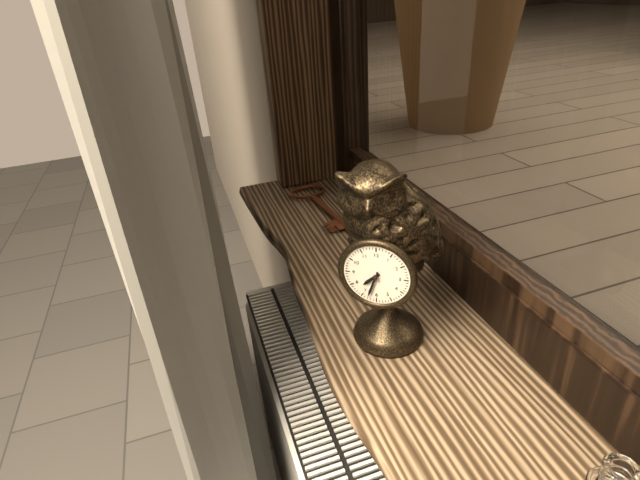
7 h 33 min
